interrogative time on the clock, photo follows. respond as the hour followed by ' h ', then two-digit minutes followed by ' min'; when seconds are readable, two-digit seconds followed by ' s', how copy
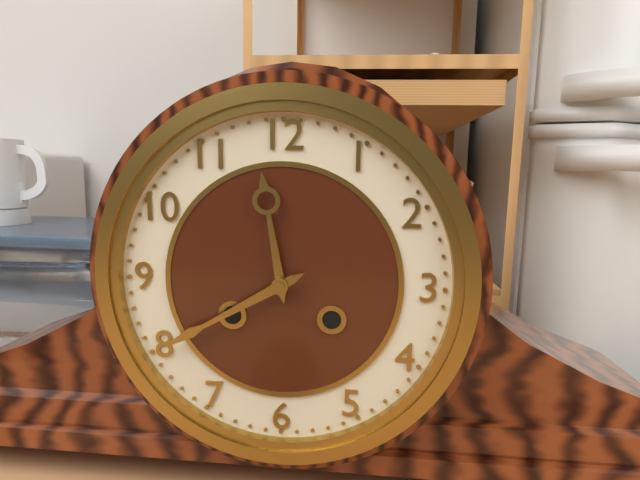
11 h 40 min
